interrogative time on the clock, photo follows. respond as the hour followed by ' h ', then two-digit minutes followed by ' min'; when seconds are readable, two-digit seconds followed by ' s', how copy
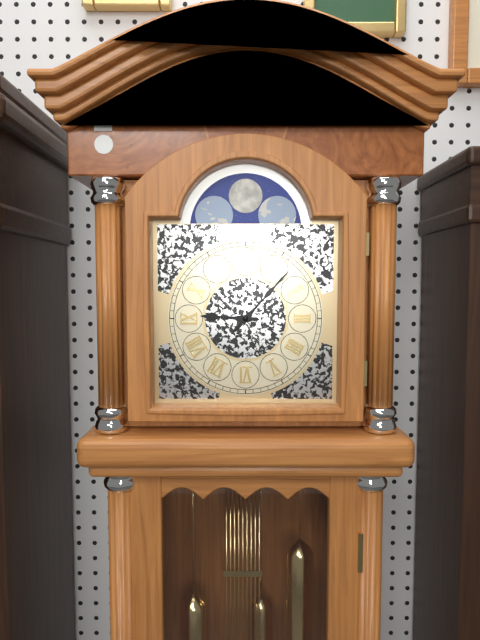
9 h 07 min
